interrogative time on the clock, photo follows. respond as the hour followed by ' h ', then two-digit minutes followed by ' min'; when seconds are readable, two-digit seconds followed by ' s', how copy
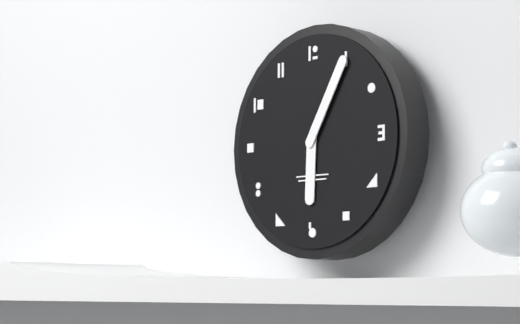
6 h 05 min
